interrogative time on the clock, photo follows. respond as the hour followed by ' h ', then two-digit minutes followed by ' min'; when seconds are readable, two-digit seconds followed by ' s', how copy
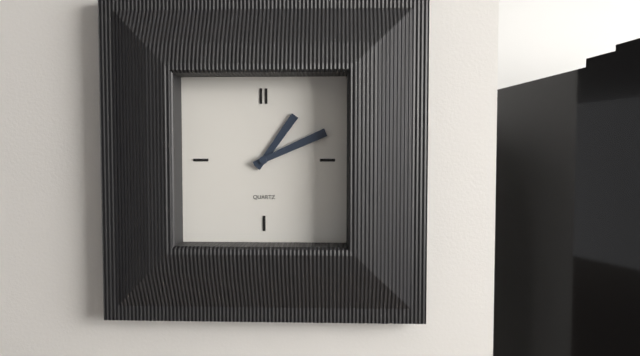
1 h 11 min
